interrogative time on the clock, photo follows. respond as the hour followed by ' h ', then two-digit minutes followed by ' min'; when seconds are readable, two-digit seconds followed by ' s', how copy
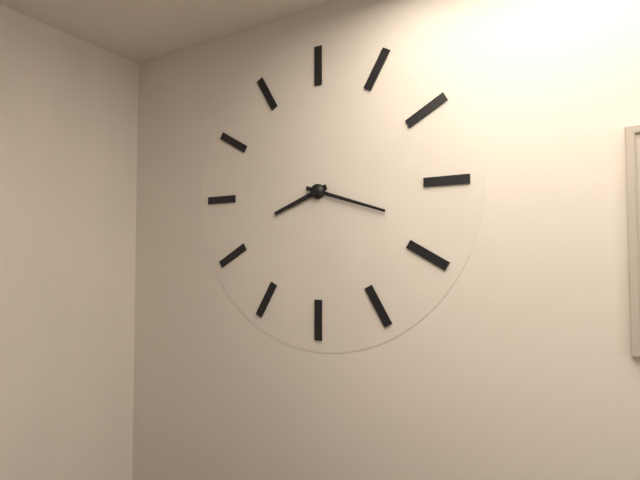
8 h 18 min
